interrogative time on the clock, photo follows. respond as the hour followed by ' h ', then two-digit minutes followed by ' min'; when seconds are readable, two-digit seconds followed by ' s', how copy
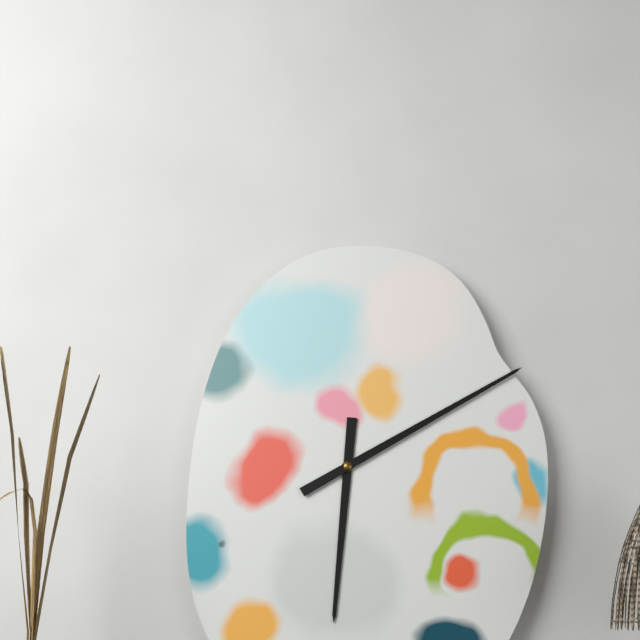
6 h 10 min
